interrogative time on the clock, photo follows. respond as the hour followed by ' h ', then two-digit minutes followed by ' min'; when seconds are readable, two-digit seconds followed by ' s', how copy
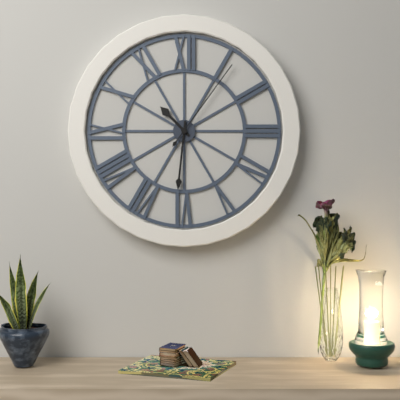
10 h 31 min 06 s
